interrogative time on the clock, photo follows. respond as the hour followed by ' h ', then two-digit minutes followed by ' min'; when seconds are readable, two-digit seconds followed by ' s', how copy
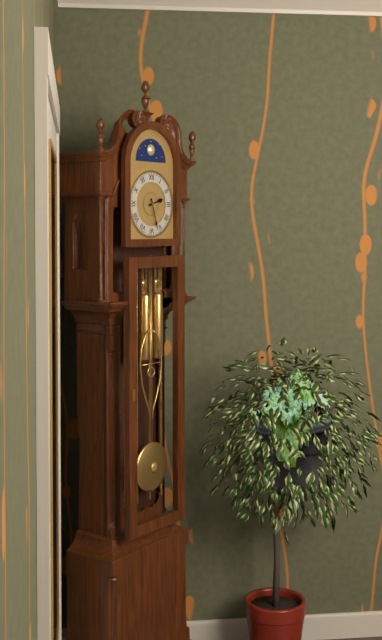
2 h 27 min
